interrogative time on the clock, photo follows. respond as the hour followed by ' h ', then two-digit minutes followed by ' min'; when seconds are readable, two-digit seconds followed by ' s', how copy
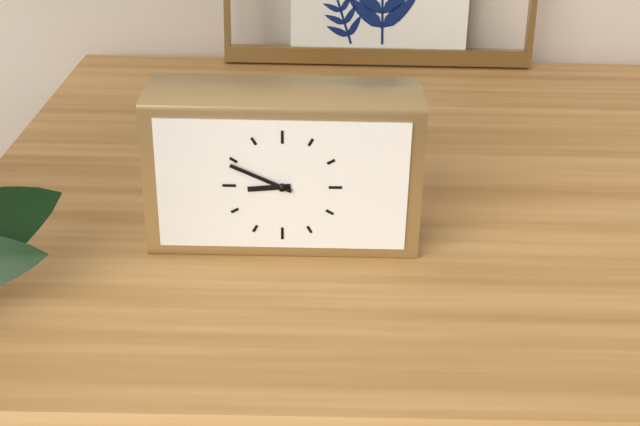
8 h 49 min
